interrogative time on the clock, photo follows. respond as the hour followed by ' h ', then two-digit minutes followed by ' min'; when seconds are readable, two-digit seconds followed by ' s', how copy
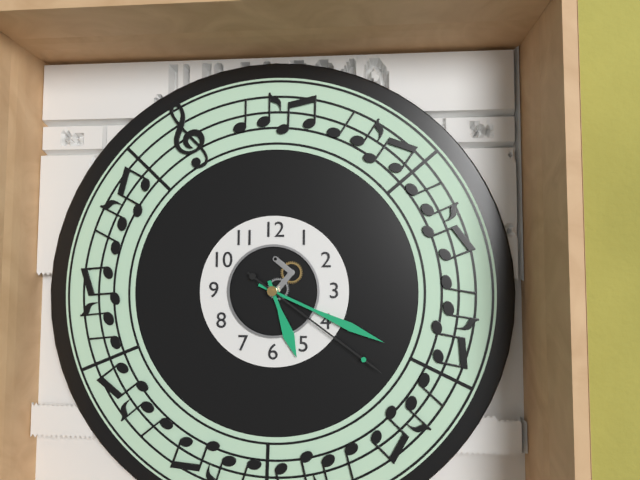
5 h 19 min 21 s
